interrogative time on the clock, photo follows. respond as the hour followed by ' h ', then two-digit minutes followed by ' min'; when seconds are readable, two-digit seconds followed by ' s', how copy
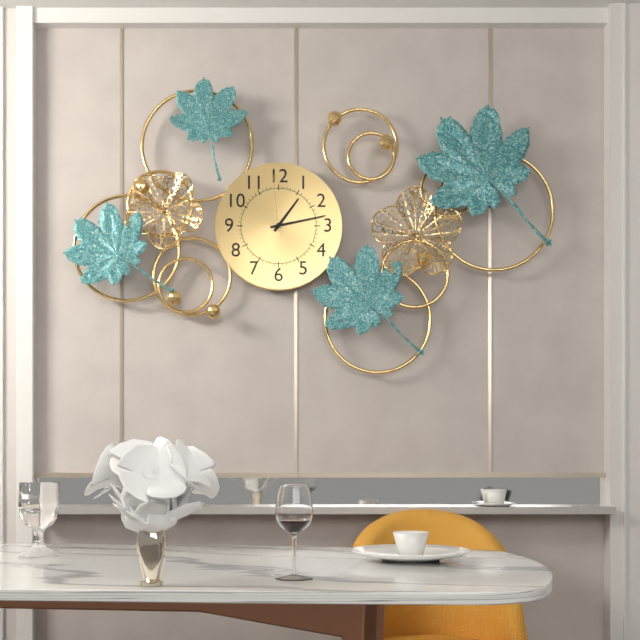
1 h 13 min 59 s
